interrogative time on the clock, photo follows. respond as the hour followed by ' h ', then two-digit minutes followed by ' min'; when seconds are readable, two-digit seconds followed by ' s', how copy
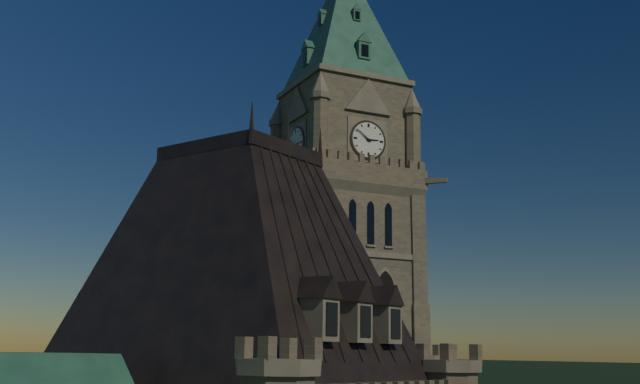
2 h 51 min
